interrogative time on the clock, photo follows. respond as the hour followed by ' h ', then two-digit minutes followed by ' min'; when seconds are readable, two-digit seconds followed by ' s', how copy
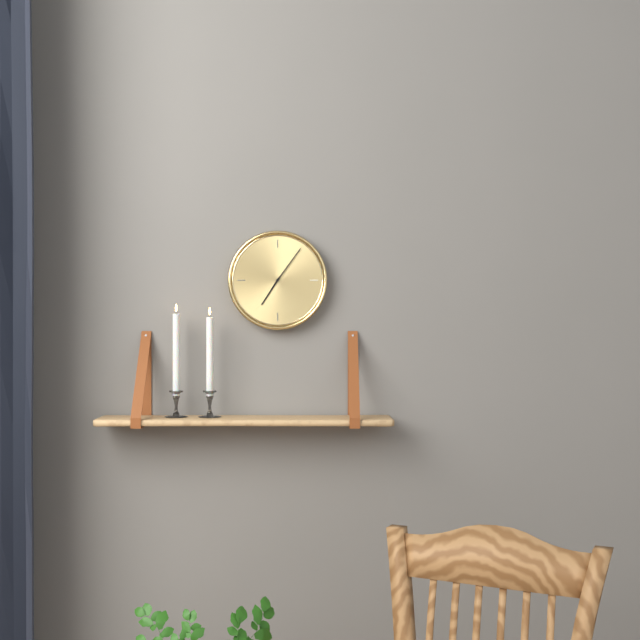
7 h 06 min
